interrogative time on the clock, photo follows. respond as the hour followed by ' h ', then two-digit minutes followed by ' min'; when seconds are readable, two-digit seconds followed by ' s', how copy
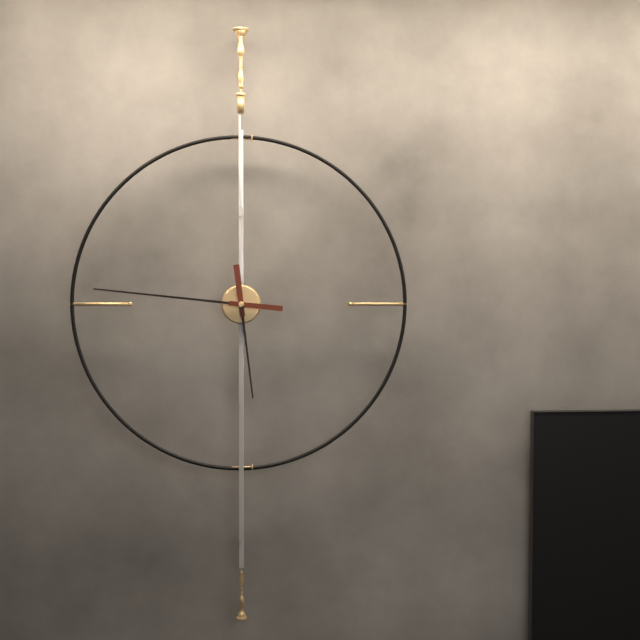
5 h 46 min
